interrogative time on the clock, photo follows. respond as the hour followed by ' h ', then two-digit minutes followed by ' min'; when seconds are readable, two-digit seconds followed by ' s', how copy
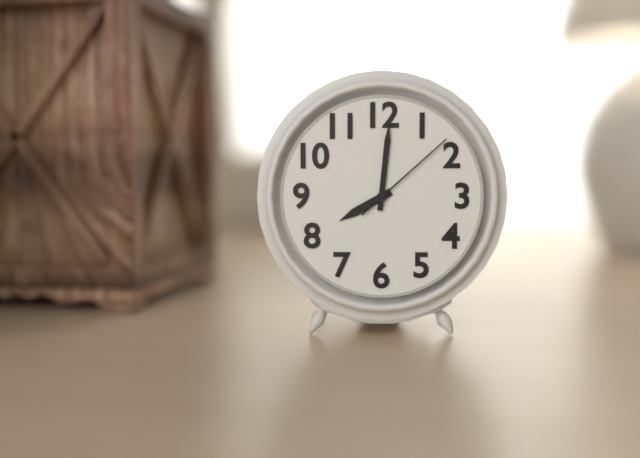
8 h 01 min 08 s
